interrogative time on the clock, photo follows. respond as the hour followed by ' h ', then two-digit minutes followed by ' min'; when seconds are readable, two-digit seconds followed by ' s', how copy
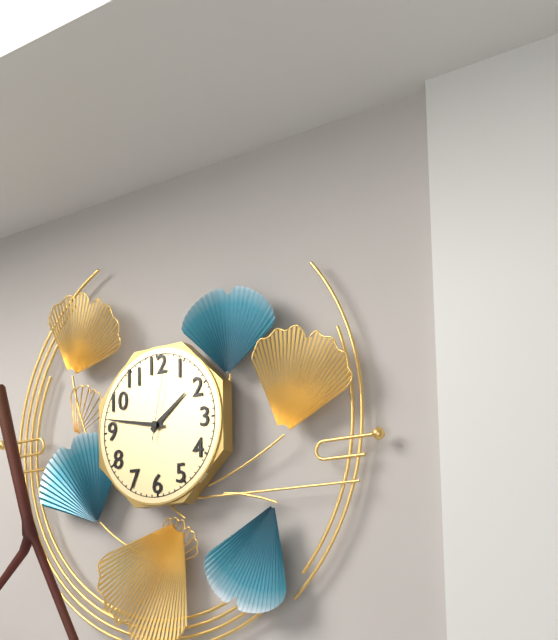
1 h 47 min 02 s
